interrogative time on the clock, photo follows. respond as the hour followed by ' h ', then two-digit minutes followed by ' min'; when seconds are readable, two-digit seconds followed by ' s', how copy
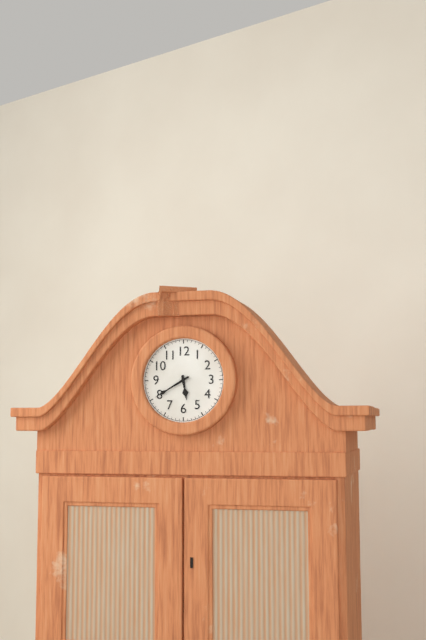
5 h 40 min
